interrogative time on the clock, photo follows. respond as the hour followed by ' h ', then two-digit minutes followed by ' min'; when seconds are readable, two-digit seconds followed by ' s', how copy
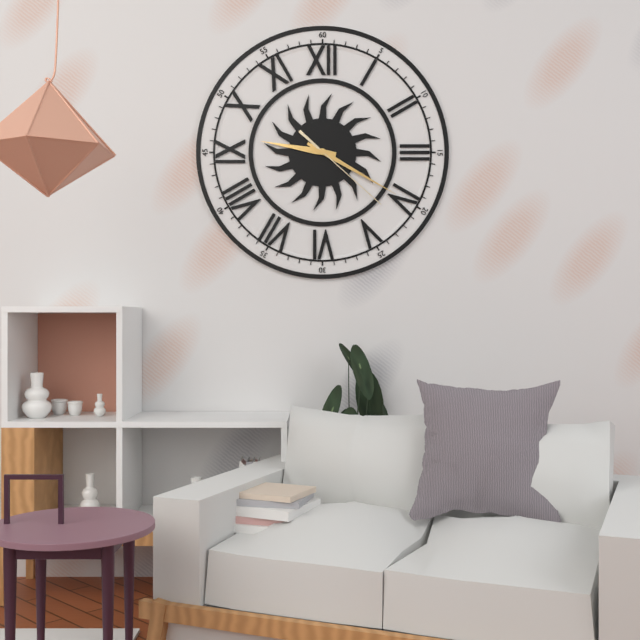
9 h 20 min 22 s
